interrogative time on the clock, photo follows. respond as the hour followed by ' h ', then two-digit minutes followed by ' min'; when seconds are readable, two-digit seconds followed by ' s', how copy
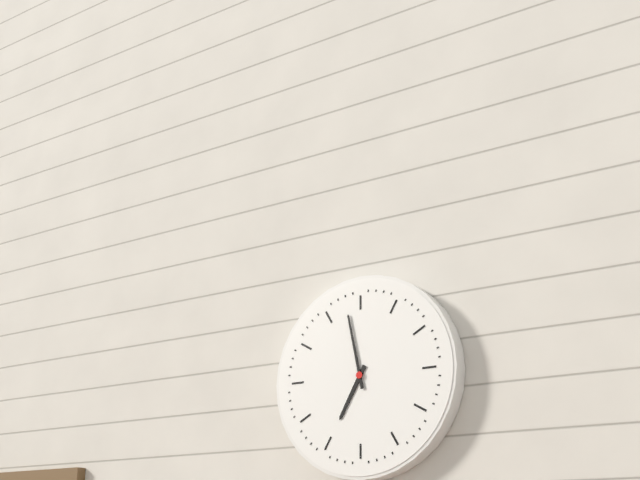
6 h 58 min
